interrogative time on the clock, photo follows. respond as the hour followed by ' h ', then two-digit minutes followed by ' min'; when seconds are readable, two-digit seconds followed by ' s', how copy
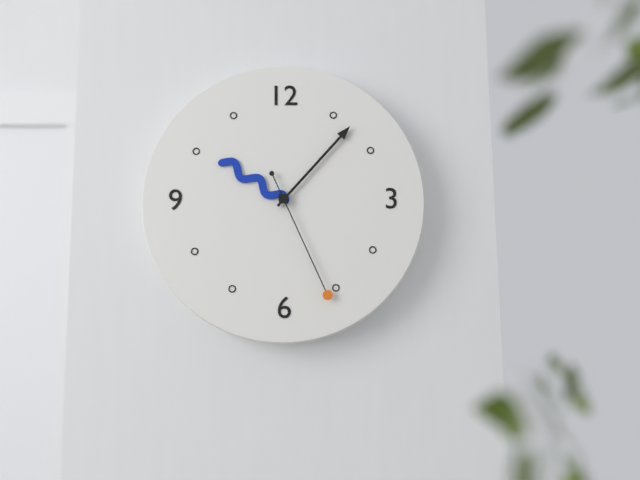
10 h 07 min 26 s
